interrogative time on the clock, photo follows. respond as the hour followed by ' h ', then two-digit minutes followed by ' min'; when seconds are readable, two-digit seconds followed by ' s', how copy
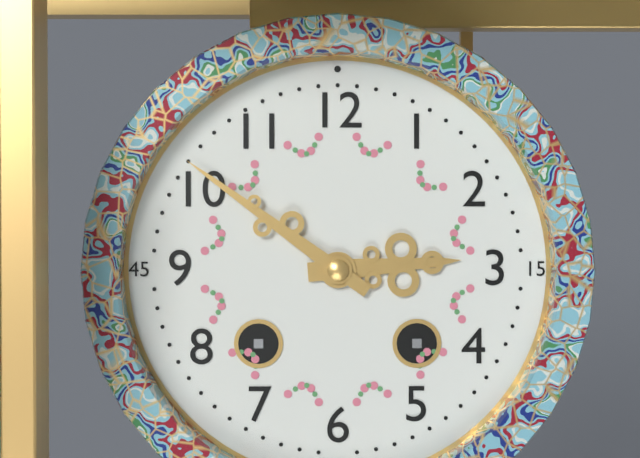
2 h 51 min
